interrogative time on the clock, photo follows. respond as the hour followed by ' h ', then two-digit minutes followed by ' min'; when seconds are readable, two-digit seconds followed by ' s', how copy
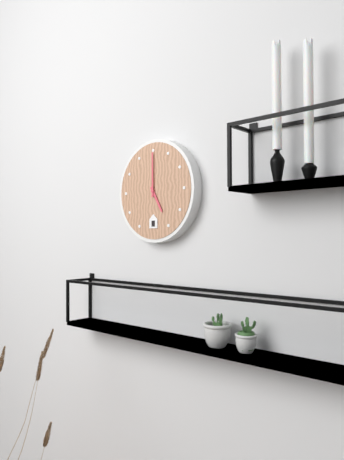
5 h 00 min
